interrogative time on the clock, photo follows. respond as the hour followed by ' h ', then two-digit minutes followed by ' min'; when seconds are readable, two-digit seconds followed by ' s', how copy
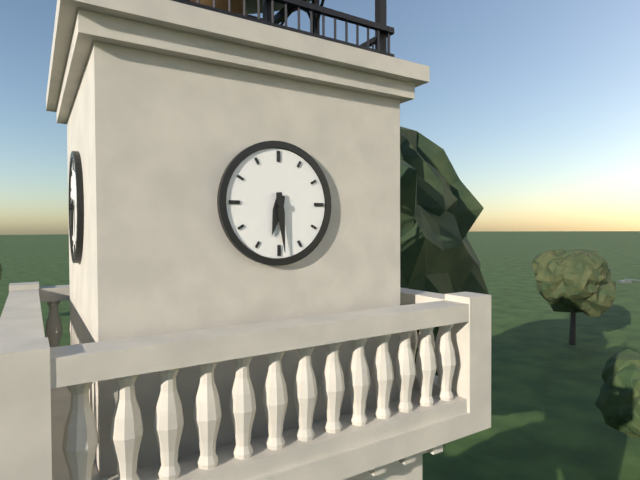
6 h 29 min
